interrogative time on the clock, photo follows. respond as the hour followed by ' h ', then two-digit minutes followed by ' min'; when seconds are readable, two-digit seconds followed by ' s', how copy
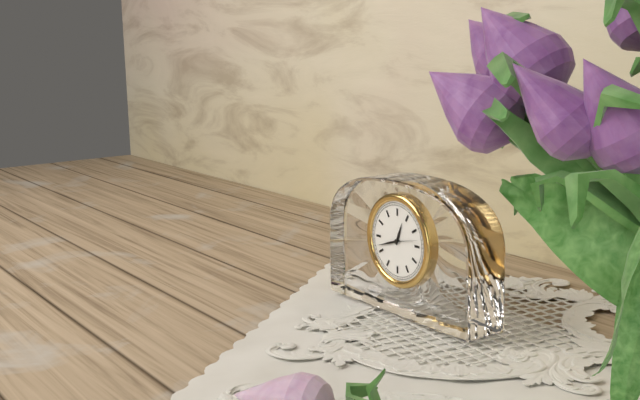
12 h 42 min
